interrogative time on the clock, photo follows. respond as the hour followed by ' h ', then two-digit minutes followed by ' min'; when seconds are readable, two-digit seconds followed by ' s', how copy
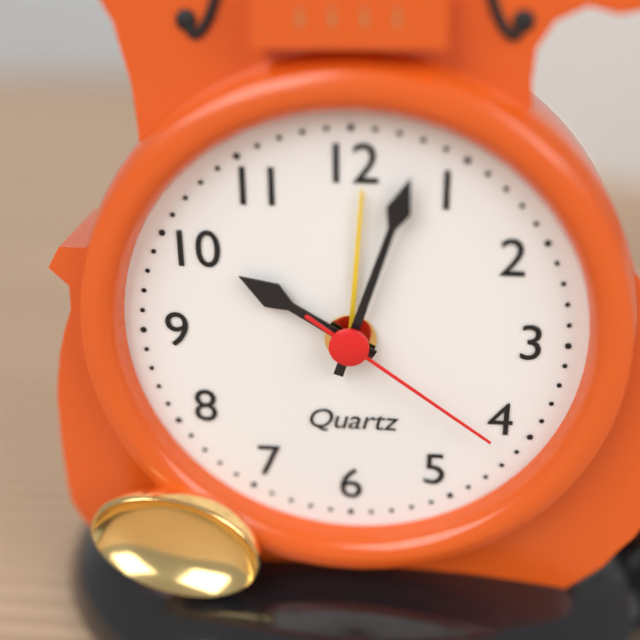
10 h 03 min 21 s
